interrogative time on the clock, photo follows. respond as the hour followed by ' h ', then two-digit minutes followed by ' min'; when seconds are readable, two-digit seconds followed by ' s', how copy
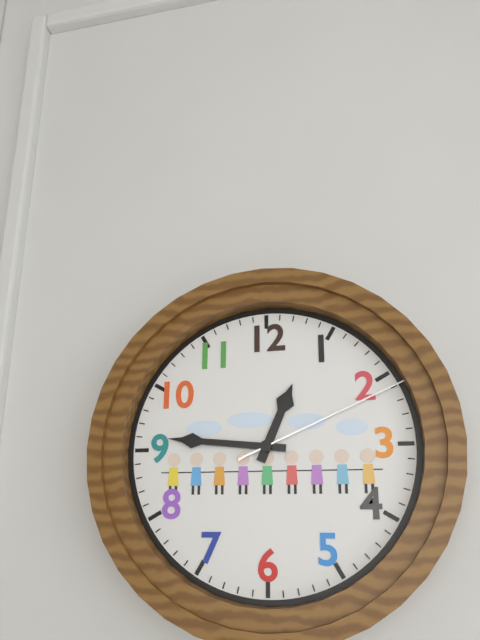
12 h 46 min 11 s
